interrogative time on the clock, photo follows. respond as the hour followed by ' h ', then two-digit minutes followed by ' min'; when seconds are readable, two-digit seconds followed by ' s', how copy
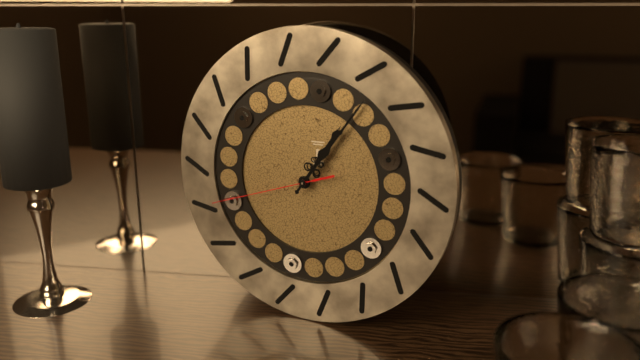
1 h 06 min 42 s
